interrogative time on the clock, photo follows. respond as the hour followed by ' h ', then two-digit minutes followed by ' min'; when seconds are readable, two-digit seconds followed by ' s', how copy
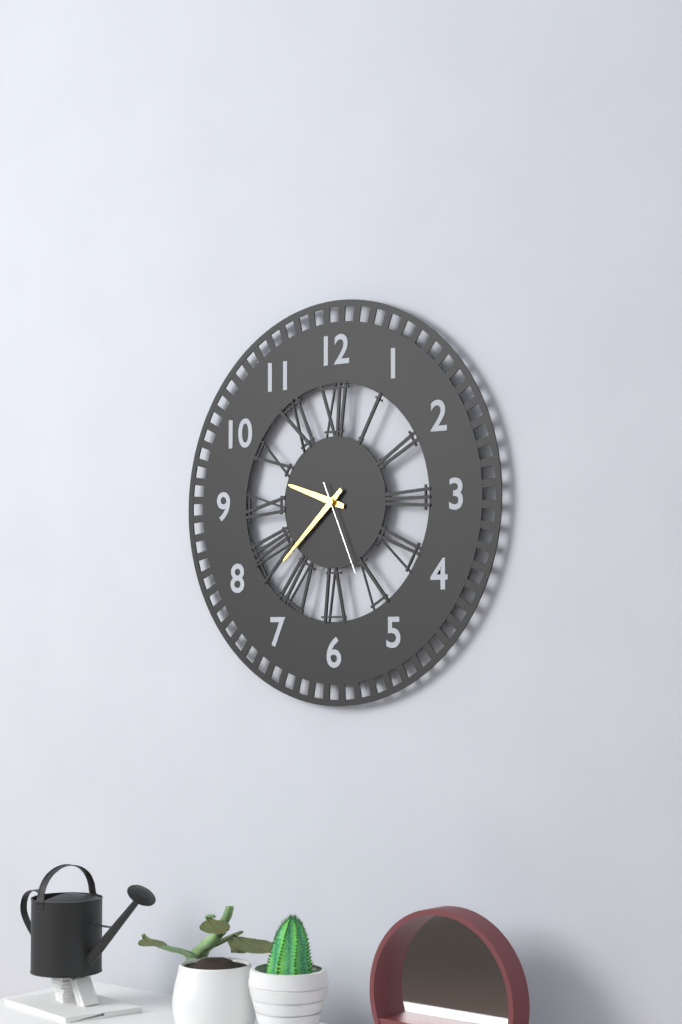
9 h 38 min 26 s
